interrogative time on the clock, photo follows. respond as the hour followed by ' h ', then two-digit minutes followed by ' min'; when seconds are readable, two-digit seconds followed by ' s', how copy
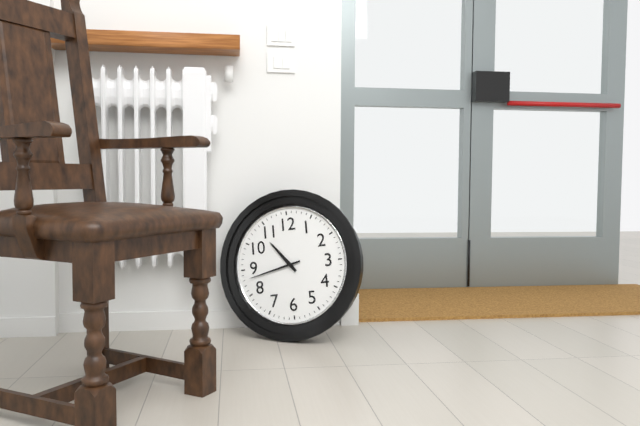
10 h 43 min
